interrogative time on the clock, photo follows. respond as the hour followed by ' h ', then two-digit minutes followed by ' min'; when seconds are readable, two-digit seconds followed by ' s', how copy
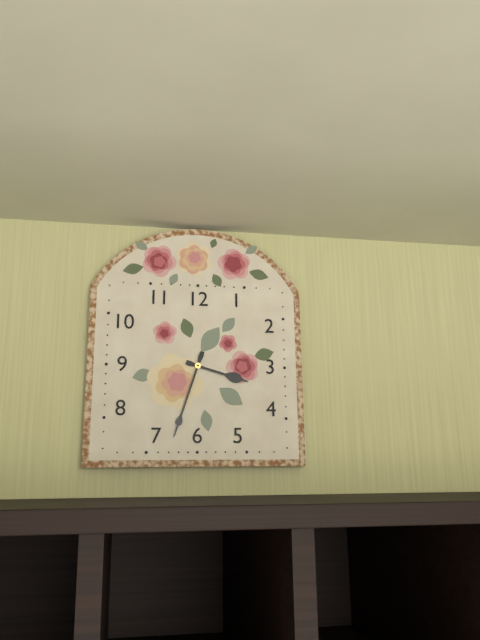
3 h 33 min
